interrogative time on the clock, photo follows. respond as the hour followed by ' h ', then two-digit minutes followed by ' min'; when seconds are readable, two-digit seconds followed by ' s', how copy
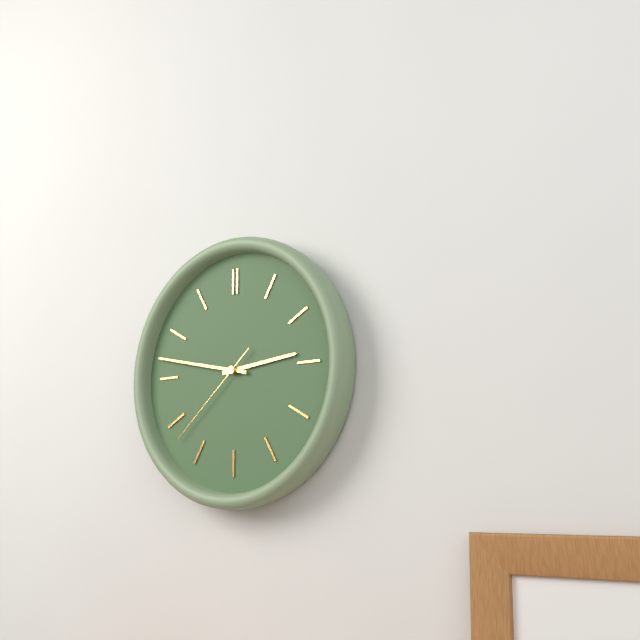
2 h 47 min 38 s
